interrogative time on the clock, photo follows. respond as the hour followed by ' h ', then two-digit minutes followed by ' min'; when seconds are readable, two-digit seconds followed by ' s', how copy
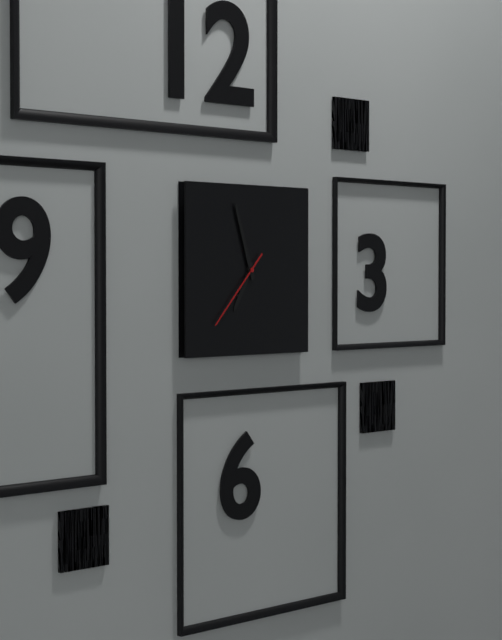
6 h 57 min 37 s
